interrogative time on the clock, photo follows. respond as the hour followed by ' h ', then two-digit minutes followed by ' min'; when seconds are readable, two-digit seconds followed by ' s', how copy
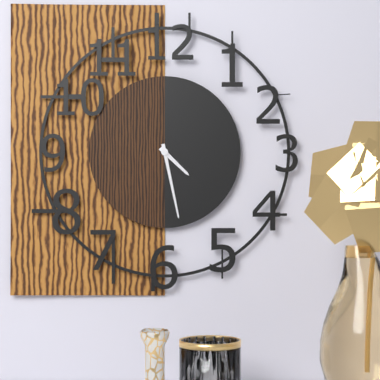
4 h 28 min
